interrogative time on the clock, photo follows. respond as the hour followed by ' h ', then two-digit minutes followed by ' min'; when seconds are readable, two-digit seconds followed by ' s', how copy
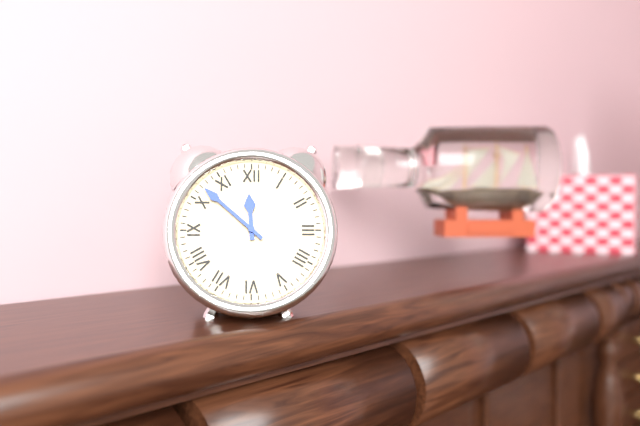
11 h 52 min
